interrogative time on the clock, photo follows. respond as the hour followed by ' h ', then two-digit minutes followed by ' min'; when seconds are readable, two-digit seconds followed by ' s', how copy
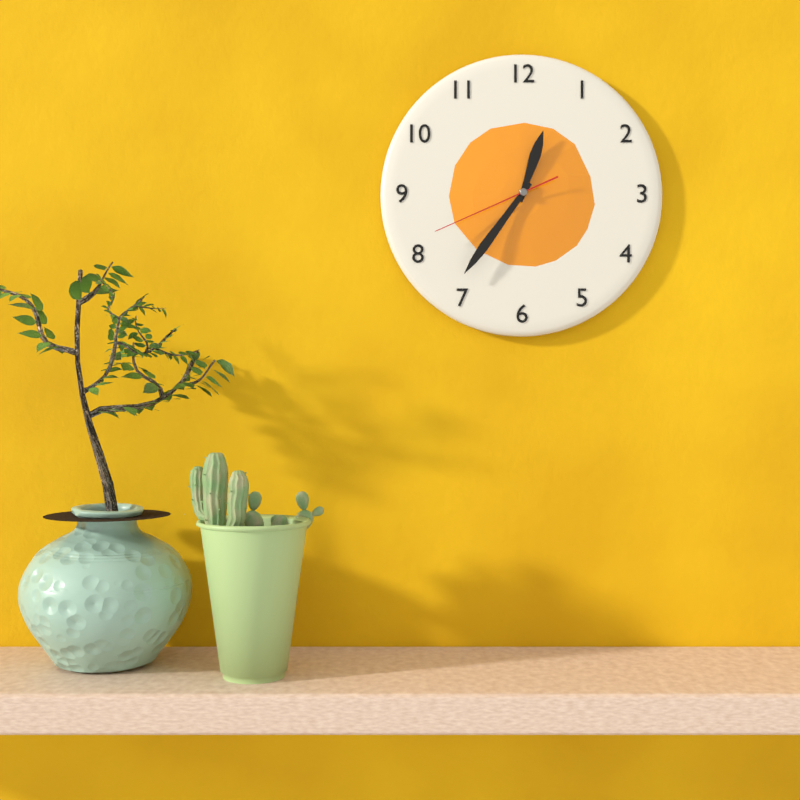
12 h 36 min 41 s
